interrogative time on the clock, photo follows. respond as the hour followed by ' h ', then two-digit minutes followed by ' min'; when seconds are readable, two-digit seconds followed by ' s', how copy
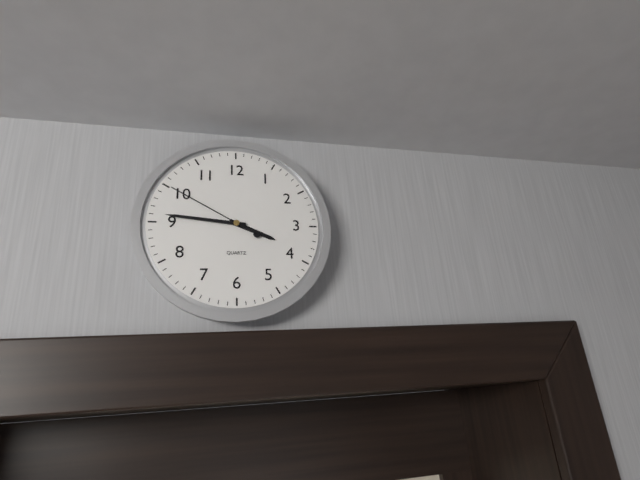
3 h 46 min 50 s
